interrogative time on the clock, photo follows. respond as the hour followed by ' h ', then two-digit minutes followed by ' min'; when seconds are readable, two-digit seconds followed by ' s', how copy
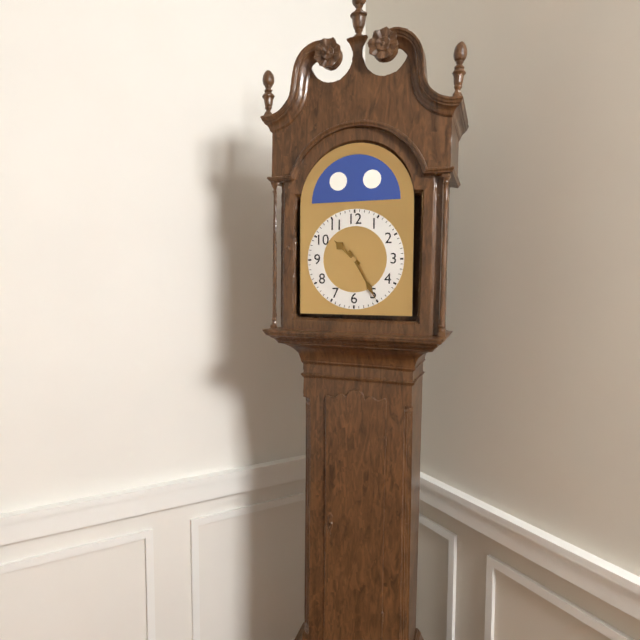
10 h 25 min
